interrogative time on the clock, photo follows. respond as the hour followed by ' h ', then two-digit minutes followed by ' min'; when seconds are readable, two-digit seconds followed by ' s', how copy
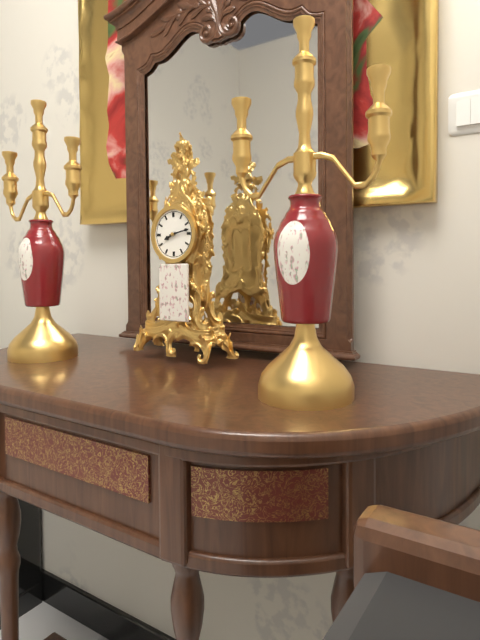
8 h 13 min
